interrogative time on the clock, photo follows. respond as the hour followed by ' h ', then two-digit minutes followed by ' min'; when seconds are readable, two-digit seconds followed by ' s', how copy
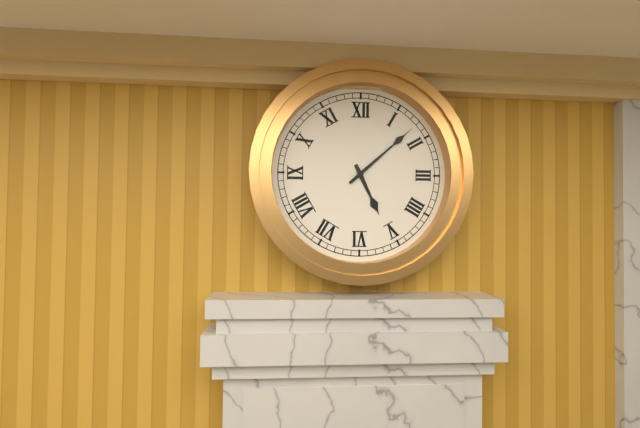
5 h 08 min
